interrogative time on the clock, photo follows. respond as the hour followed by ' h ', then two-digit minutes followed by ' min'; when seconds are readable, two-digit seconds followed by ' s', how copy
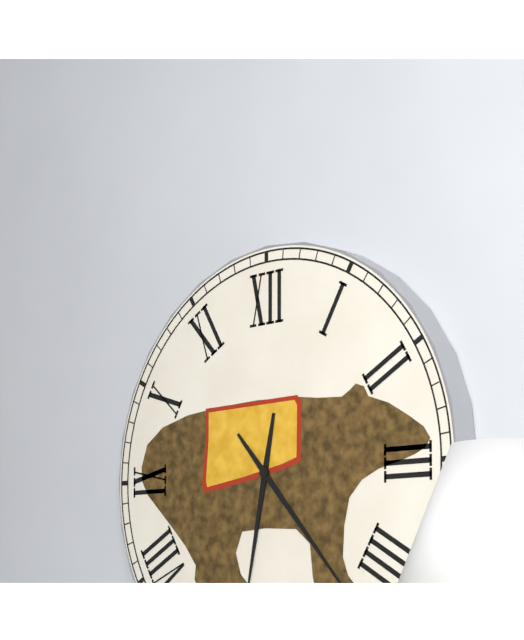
6 h 23 min
